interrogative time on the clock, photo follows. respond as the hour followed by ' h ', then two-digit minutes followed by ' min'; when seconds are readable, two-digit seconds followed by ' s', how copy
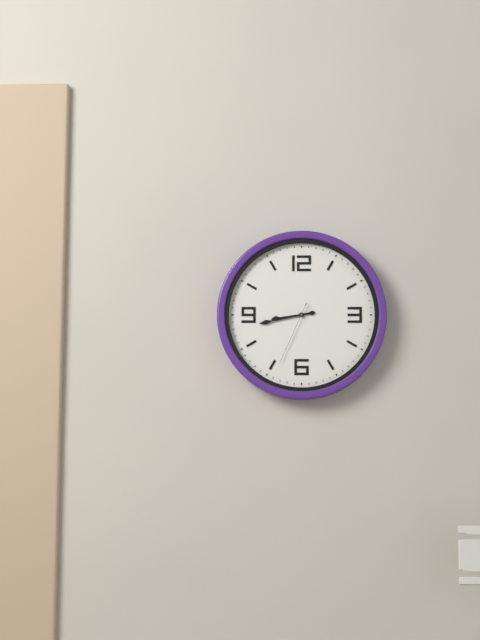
8 h 43 min 34 s
